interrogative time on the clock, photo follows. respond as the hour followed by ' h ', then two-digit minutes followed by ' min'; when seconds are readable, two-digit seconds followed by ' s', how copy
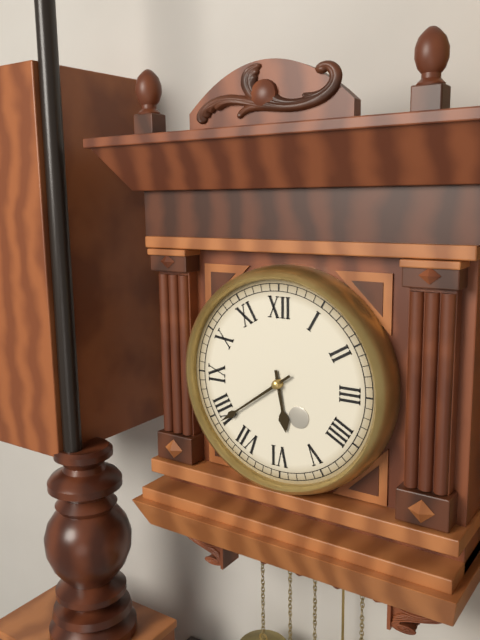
5 h 39 min
